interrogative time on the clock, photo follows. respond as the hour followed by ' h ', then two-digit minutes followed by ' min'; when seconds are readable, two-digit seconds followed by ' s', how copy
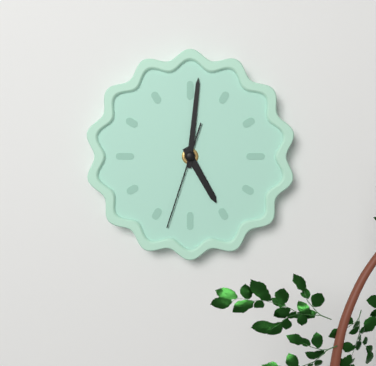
5 h 01 min 33 s
